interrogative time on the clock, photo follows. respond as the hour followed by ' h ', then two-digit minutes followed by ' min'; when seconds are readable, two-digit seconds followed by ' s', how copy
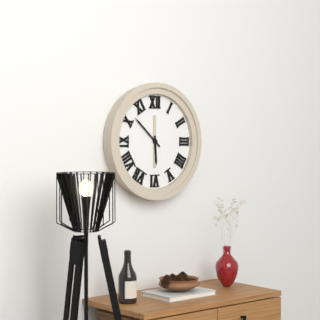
5 h 52 min
